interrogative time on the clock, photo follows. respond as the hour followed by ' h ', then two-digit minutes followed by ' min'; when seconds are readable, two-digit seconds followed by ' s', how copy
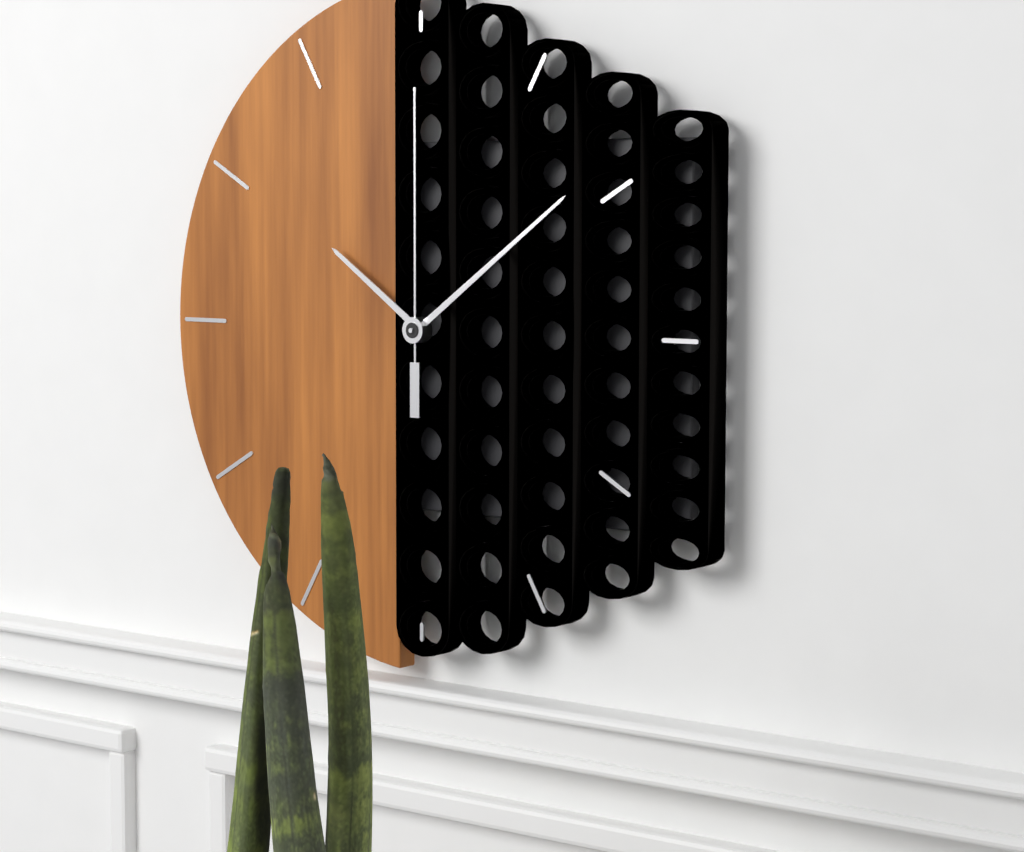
10 h 09 min 00 s
